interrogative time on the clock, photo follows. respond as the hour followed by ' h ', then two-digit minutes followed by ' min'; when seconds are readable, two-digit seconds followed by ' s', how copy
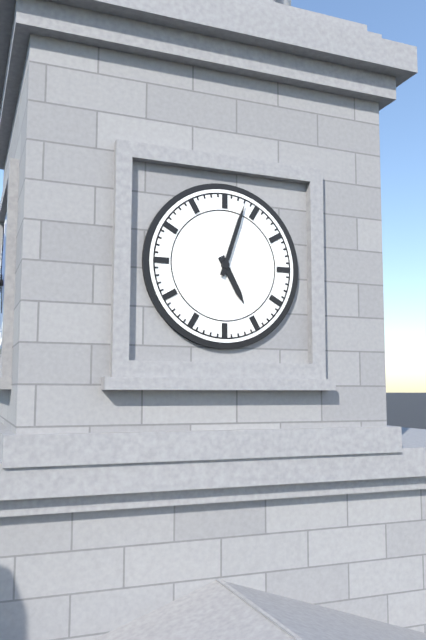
5 h 03 min
